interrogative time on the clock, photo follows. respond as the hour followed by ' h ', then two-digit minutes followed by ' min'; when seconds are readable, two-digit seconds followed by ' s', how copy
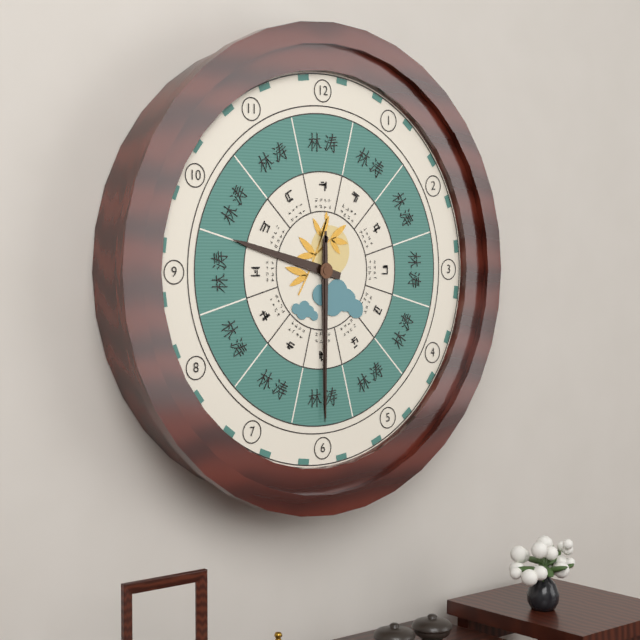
9 h 30 min 30 s
